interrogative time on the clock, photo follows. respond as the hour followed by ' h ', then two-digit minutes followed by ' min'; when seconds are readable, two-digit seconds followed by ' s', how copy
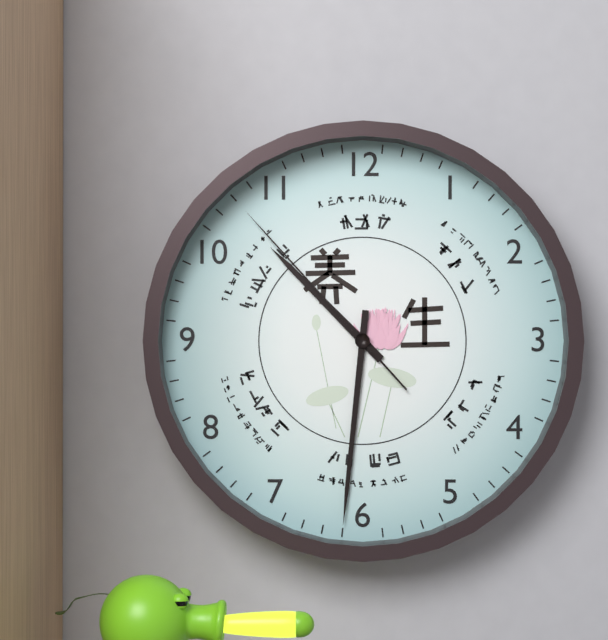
10 h 31 min 53 s
